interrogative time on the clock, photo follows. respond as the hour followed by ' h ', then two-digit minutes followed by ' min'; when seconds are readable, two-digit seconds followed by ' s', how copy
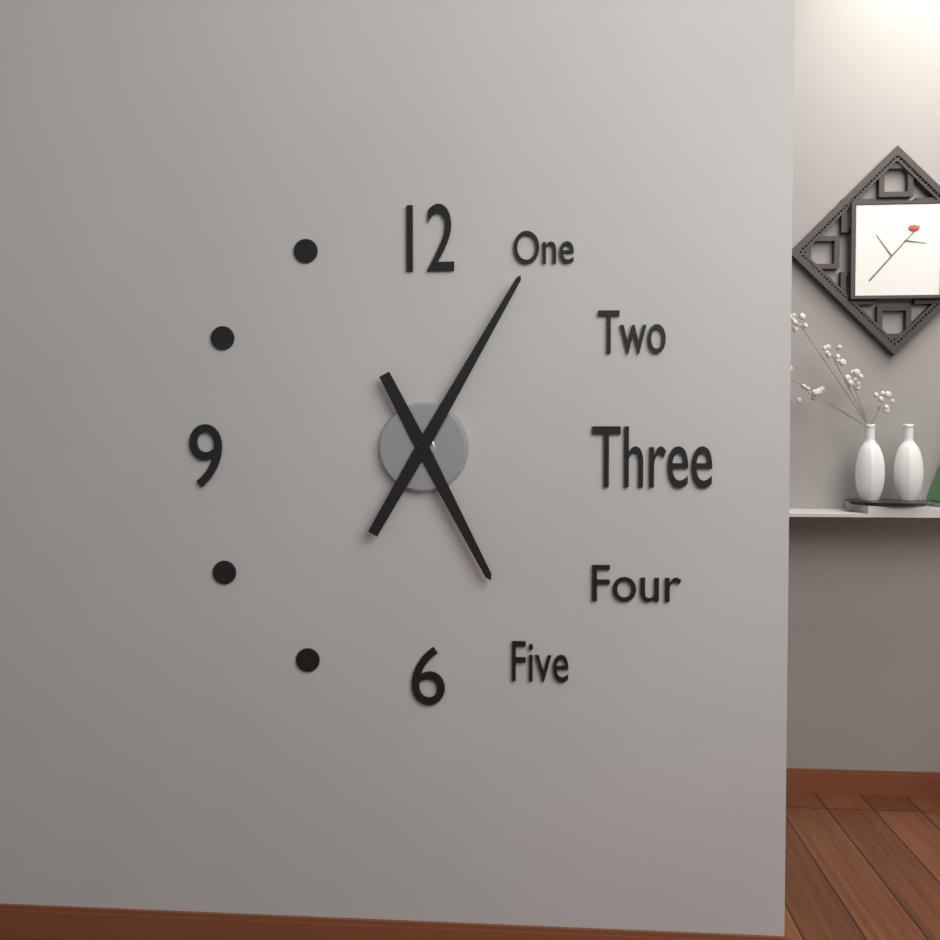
5 h 05 min
